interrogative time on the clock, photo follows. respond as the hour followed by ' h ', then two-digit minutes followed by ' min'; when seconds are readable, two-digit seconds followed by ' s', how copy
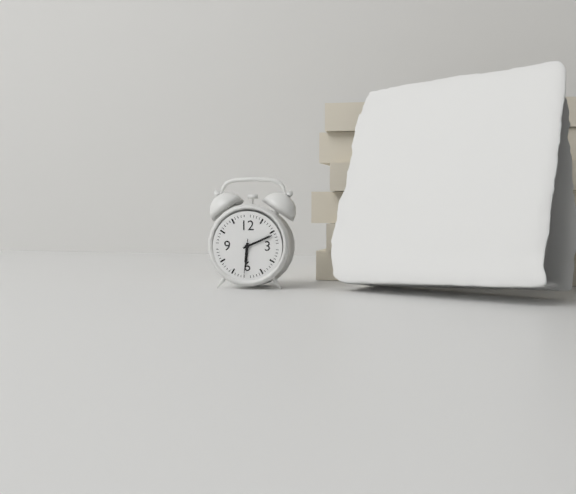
6 h 11 min
